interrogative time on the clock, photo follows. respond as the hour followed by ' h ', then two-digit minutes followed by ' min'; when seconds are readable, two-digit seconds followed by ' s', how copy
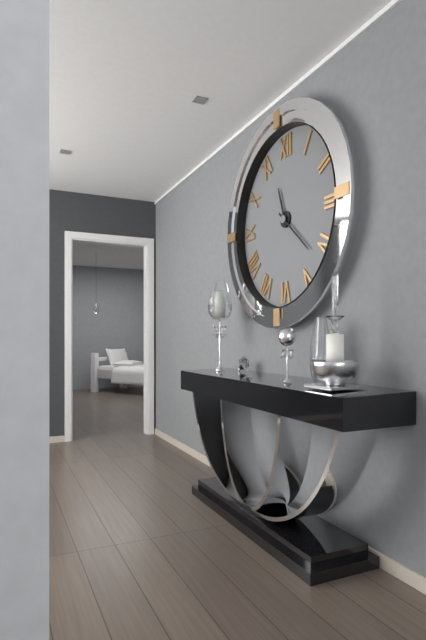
11 h 22 min
